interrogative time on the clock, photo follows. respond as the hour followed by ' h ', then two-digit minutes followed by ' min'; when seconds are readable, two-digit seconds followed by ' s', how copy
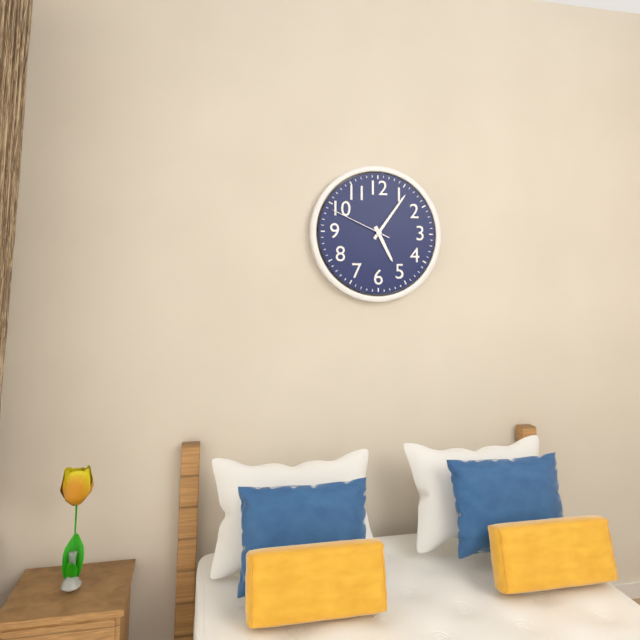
5 h 06 min 49 s
